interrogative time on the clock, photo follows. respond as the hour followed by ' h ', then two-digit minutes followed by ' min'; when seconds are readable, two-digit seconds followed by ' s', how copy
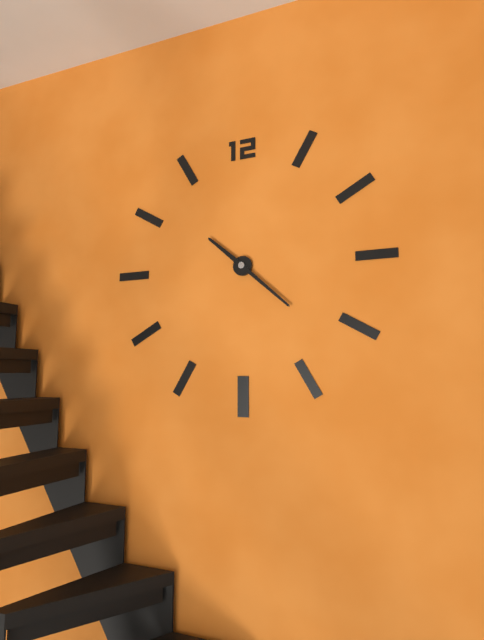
10 h 22 min
